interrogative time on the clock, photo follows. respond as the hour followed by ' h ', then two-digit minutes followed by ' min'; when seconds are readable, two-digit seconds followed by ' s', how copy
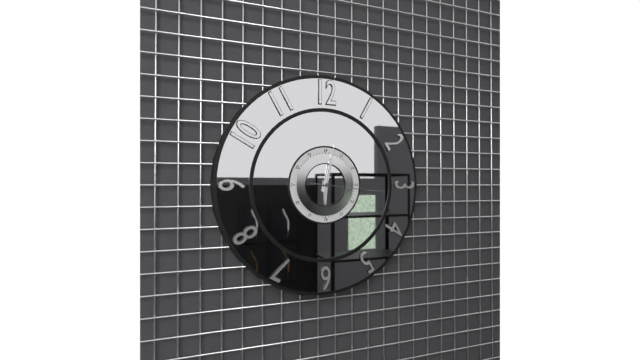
6 h 02 min 16 s
